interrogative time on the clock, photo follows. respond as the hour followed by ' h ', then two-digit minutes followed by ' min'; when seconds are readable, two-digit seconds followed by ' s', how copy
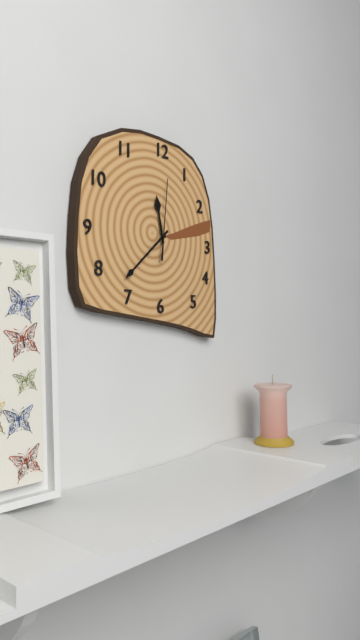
11 h 38 min 01 s
